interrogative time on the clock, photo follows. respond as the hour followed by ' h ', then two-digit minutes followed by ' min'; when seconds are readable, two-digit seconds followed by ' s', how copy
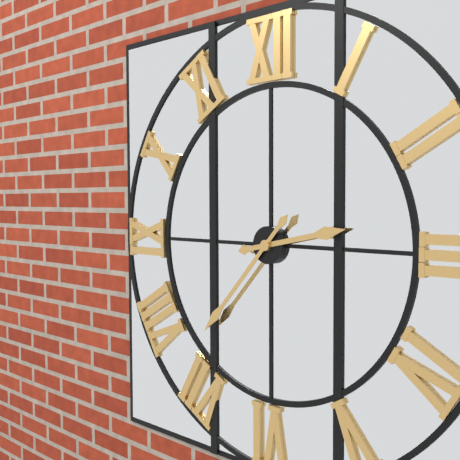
2 h 37 min
